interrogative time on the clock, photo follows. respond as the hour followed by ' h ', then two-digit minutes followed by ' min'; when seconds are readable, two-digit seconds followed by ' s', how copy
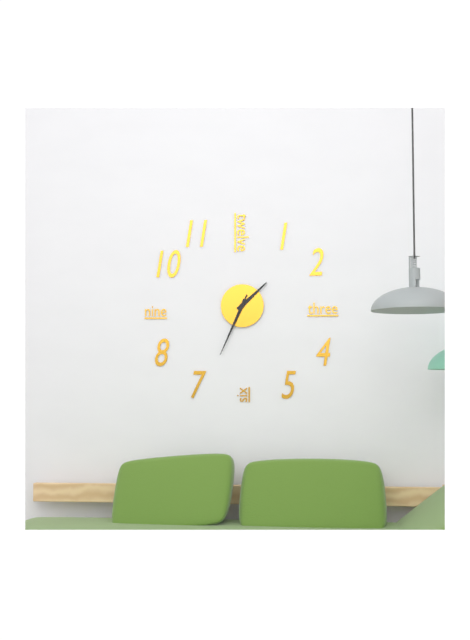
1 h 34 min 34 s
